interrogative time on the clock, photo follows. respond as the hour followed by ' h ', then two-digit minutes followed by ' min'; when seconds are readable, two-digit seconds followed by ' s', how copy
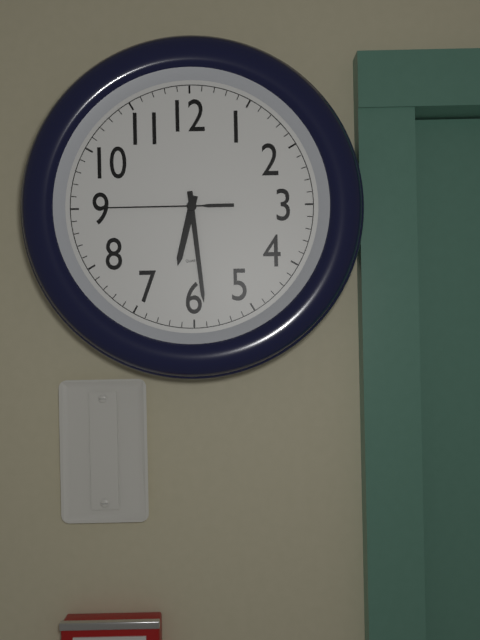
6 h 29 min 45 s
